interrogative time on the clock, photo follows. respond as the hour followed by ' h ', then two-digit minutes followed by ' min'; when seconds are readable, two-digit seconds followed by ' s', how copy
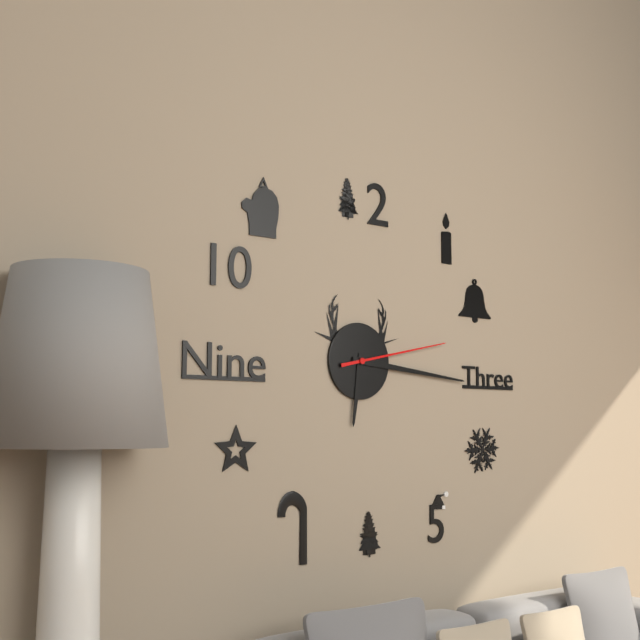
6 h 16 min 13 s
